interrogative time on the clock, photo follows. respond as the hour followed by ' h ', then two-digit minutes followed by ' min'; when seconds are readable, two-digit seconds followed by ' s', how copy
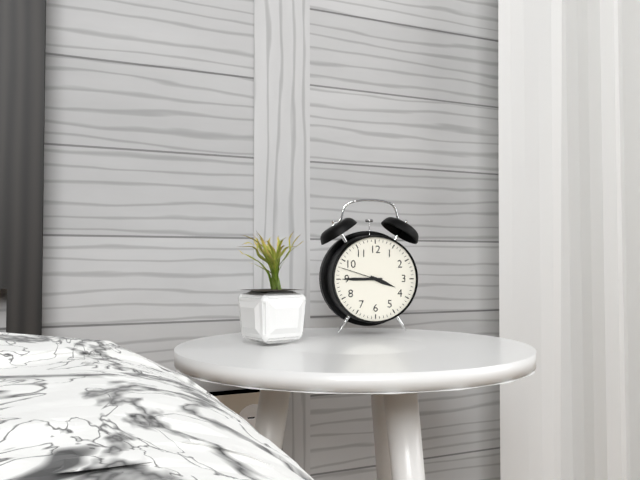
3 h 45 min
